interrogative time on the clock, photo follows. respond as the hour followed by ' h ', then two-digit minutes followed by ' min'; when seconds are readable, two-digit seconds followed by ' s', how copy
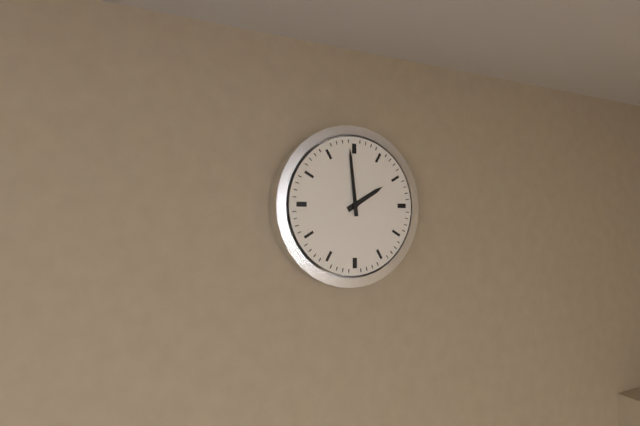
1 h 59 min
